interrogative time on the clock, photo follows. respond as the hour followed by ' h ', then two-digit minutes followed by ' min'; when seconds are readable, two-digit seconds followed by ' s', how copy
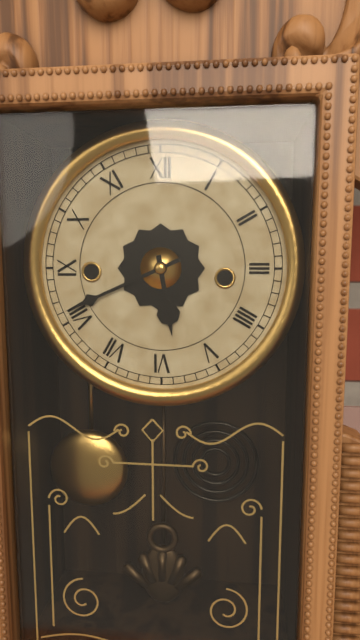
5 h 41 min
